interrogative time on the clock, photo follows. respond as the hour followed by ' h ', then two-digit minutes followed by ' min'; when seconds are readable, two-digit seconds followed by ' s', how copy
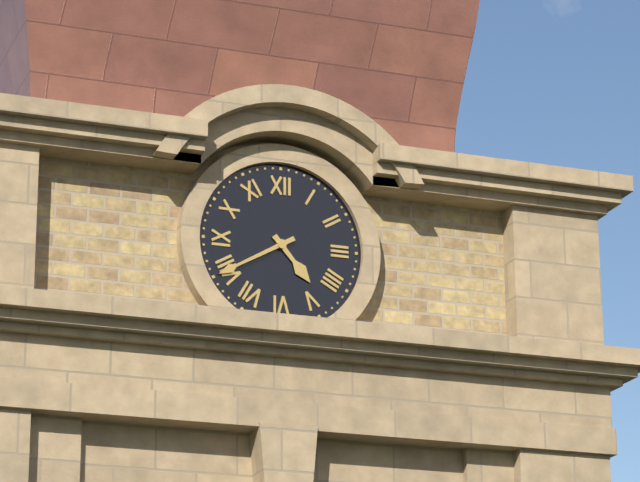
4 h 40 min
